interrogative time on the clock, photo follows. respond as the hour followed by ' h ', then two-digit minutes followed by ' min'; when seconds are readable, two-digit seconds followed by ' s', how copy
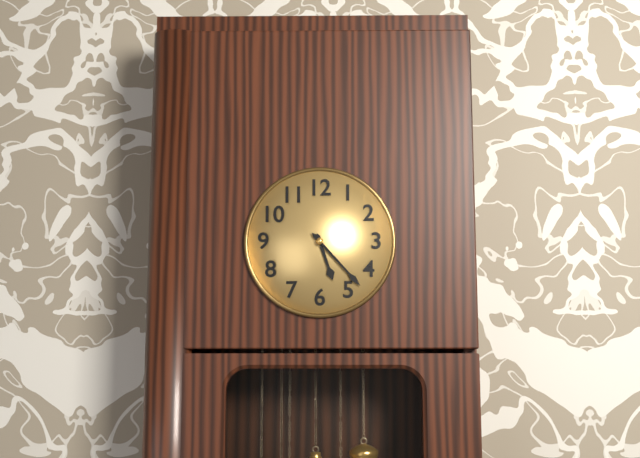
5 h 23 min
